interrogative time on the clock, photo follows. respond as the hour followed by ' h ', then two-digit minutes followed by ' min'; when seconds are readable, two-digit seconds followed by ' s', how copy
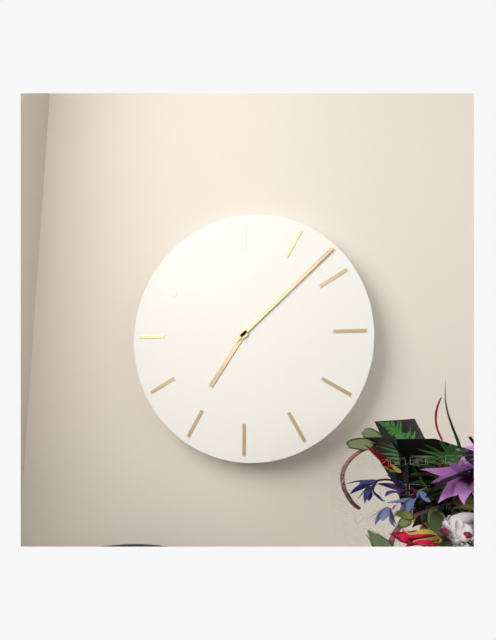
7 h 08 min
